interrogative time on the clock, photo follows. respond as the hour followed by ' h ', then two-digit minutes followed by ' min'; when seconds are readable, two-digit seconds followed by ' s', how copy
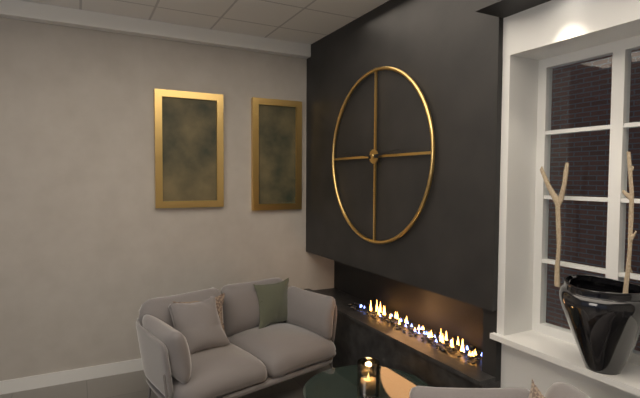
2 h 46 min
